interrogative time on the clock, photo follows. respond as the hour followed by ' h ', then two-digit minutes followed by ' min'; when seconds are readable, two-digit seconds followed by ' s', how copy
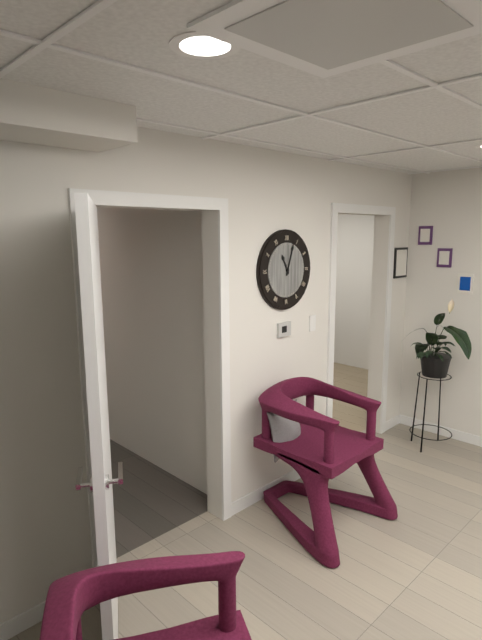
11 h 03 min
